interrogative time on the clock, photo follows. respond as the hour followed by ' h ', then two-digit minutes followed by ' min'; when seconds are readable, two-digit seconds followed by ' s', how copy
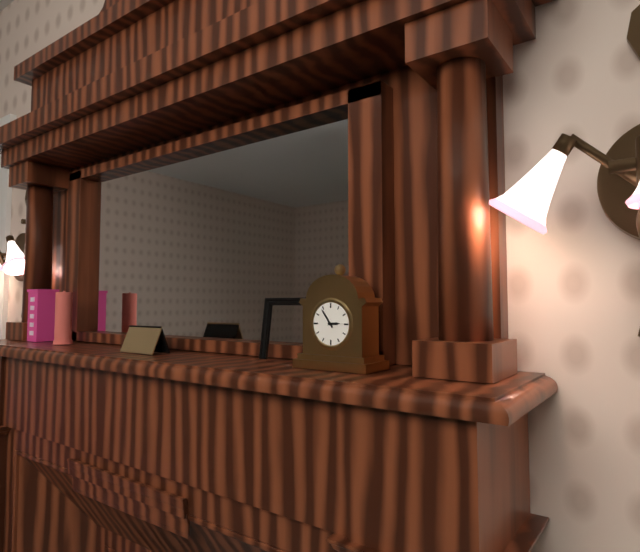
2 h 54 min
